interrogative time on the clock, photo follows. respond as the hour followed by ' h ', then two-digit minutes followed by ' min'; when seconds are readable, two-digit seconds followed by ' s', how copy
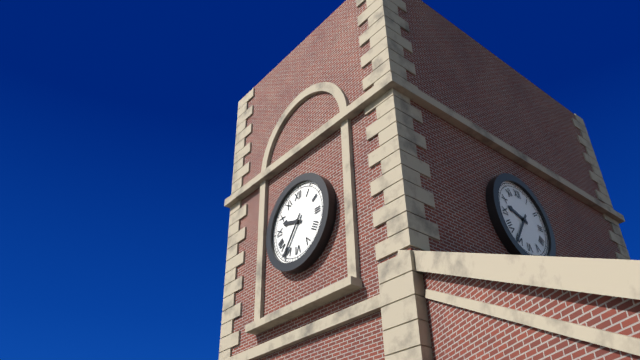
9 h 36 min
